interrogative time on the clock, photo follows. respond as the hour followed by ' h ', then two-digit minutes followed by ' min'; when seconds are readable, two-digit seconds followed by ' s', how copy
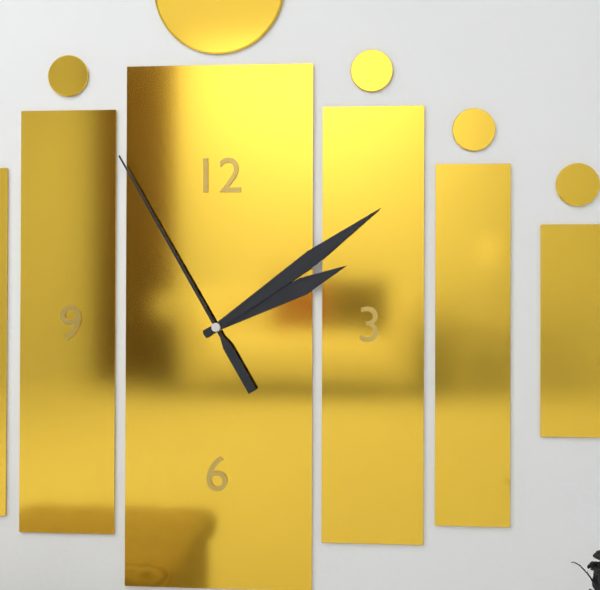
2 h 09 min 55 s
